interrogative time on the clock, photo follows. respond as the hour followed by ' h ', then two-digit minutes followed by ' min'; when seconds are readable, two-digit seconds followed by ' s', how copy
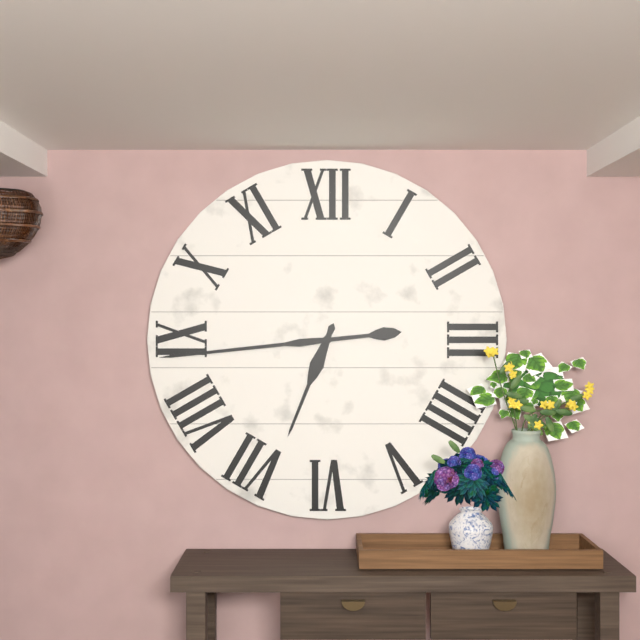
6 h 44 min
